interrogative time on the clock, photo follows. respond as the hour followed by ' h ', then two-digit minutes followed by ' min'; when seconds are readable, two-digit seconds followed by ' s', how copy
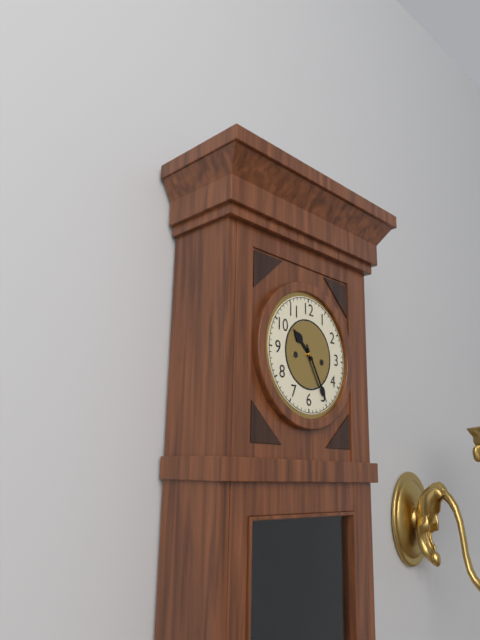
10 h 25 min
